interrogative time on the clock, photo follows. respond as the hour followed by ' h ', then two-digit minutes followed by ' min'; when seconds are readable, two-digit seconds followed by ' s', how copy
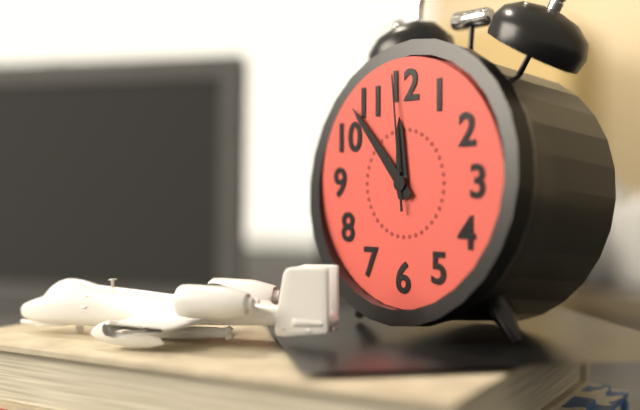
11 h 53 min 59 s
